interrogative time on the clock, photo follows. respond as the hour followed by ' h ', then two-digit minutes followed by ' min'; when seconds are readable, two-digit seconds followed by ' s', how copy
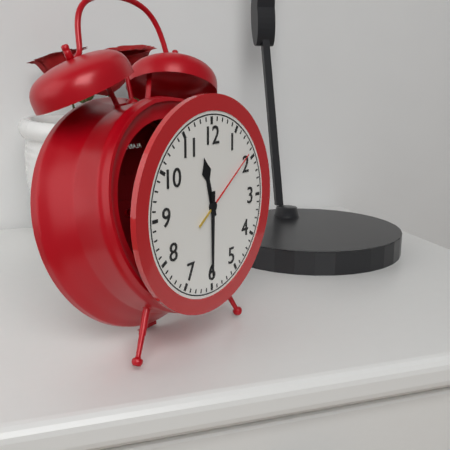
11 h 30 min 09 s
